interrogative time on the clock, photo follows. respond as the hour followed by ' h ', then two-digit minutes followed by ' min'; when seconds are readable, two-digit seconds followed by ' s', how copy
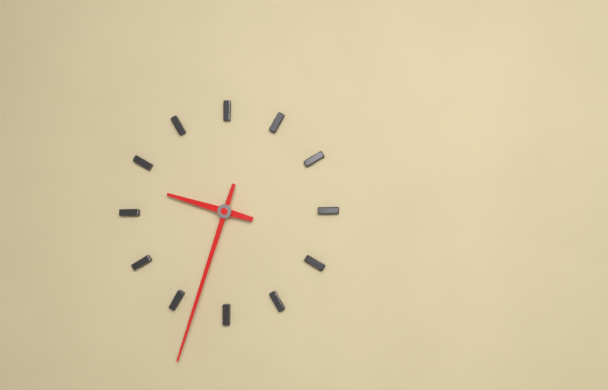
9 h 33 min
